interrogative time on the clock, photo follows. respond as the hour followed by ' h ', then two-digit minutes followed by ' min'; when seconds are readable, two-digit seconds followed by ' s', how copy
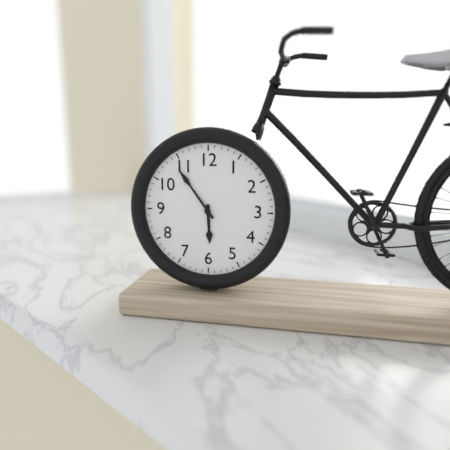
5 h 54 min
